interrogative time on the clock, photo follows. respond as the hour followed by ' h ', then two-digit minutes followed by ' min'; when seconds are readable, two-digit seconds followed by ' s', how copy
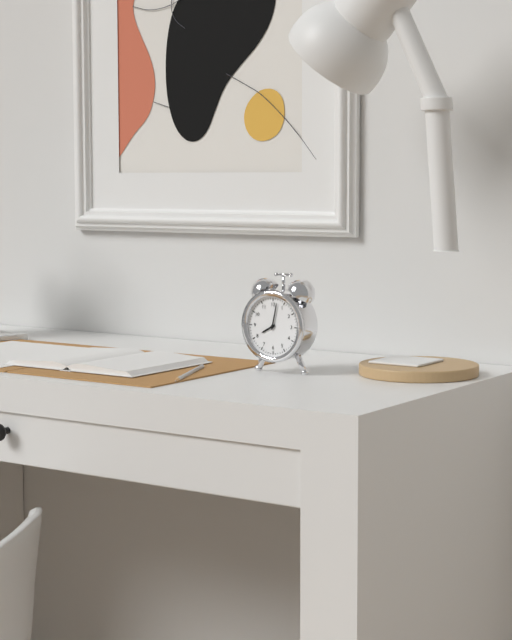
8 h 02 min
